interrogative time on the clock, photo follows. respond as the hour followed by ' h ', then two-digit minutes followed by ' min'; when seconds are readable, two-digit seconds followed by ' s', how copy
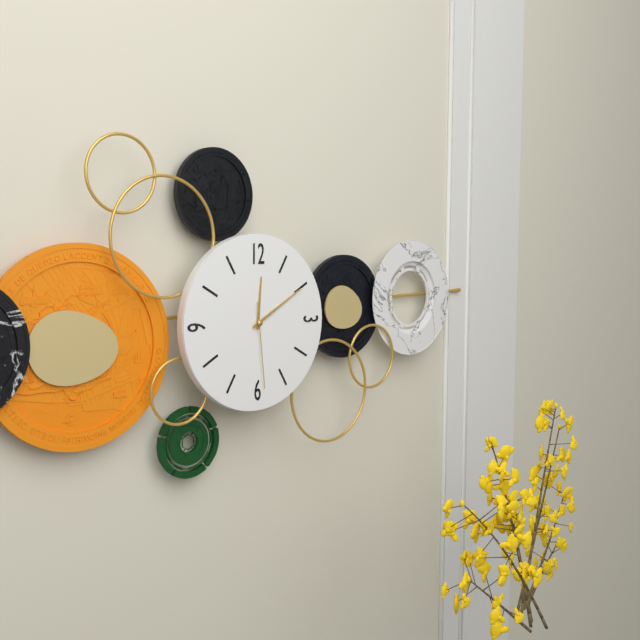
12 h 10 min 29 s
